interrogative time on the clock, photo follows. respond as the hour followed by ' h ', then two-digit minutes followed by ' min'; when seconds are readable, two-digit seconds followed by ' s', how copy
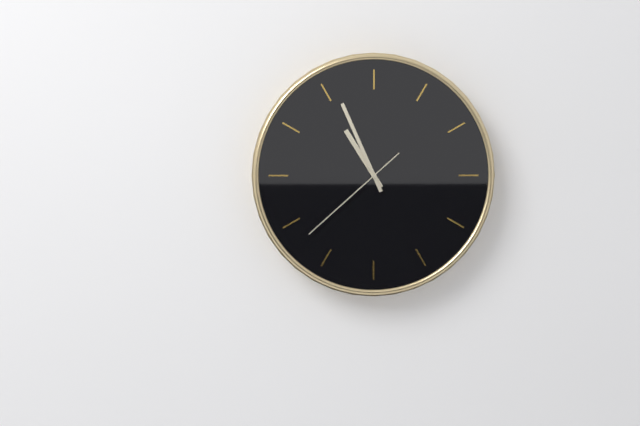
10 h 56 min 38 s
